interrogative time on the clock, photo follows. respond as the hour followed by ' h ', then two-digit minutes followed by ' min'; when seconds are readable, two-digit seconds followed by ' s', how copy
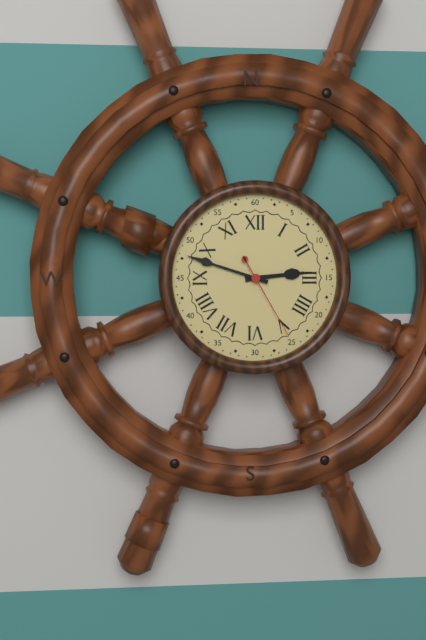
2 h 48 min 25 s
